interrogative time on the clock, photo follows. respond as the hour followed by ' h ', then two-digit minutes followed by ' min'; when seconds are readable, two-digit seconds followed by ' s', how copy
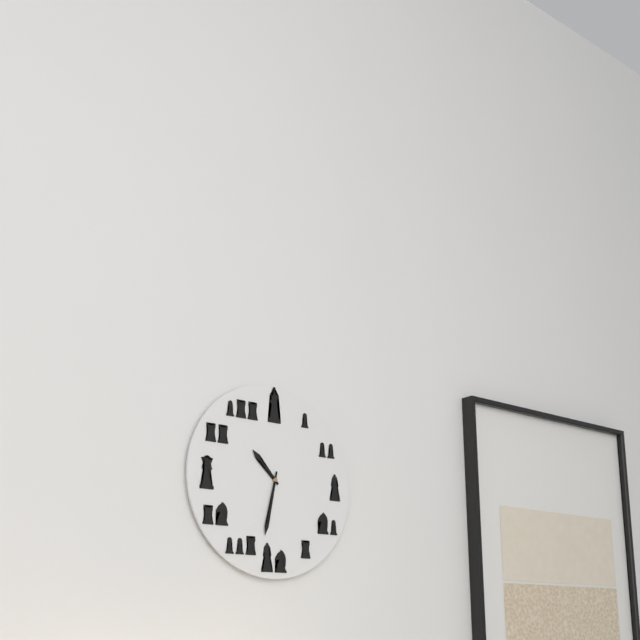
10 h 32 min
